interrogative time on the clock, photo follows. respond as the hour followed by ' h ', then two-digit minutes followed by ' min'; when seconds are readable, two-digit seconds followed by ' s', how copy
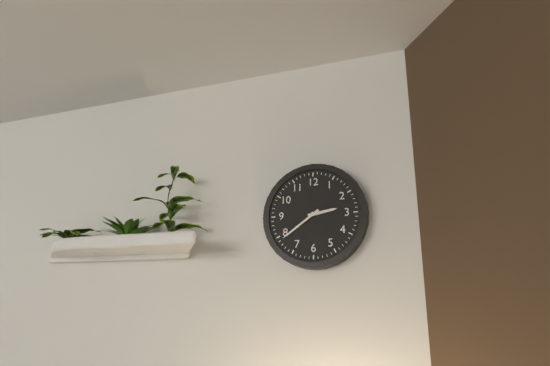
2 h 39 min
